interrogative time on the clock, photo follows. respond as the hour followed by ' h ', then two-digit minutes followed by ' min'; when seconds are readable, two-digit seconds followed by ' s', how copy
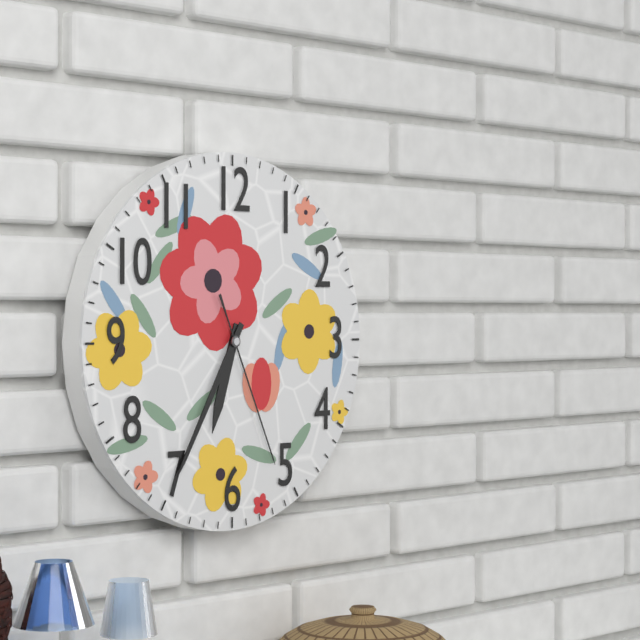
6 h 35 min 26 s
